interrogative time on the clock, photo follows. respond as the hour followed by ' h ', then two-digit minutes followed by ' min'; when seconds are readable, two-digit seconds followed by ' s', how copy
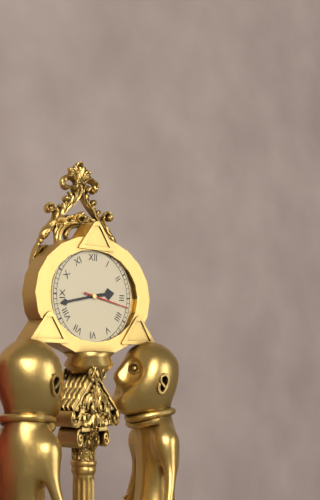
2 h 43 min
